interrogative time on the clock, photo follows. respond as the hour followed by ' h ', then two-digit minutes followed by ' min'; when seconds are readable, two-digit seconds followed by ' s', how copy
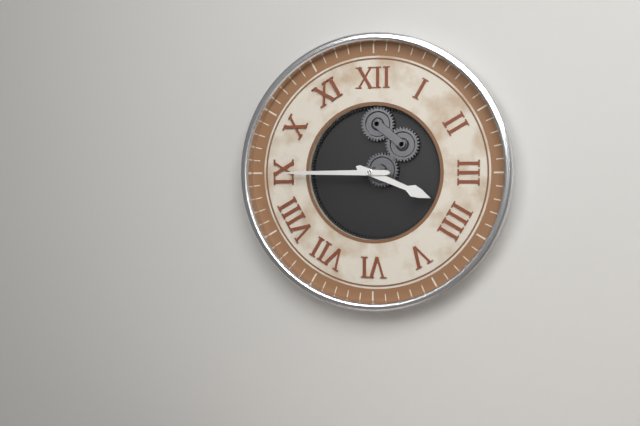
3 h 45 min
